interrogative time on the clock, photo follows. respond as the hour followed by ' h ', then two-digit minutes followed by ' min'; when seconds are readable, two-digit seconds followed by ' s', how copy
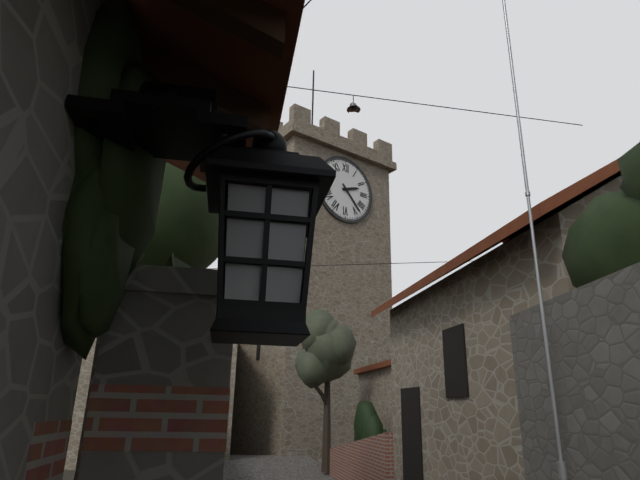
2 h 23 min
